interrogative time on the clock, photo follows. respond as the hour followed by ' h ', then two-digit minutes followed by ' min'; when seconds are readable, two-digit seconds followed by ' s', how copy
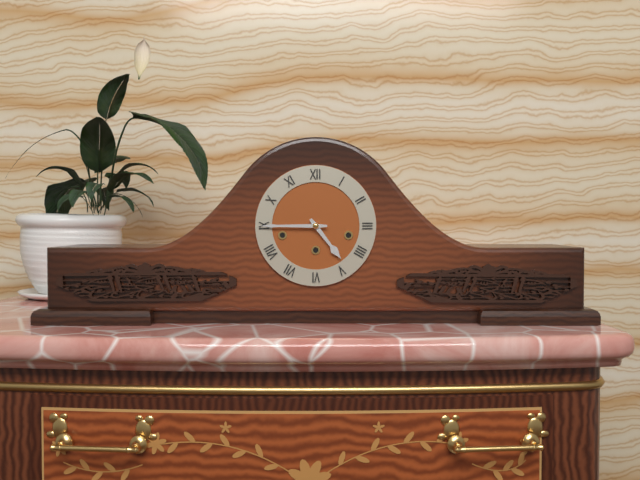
4 h 45 min
